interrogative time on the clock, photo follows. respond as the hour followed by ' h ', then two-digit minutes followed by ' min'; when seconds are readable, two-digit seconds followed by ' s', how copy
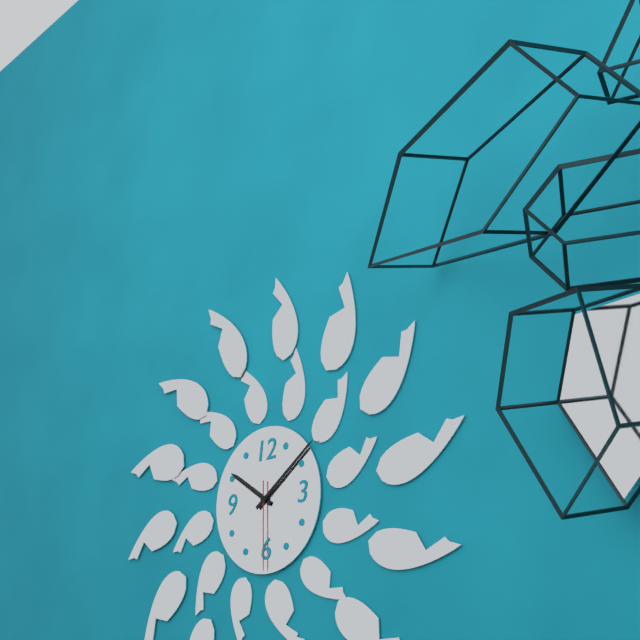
10 h 09 min 30 s
